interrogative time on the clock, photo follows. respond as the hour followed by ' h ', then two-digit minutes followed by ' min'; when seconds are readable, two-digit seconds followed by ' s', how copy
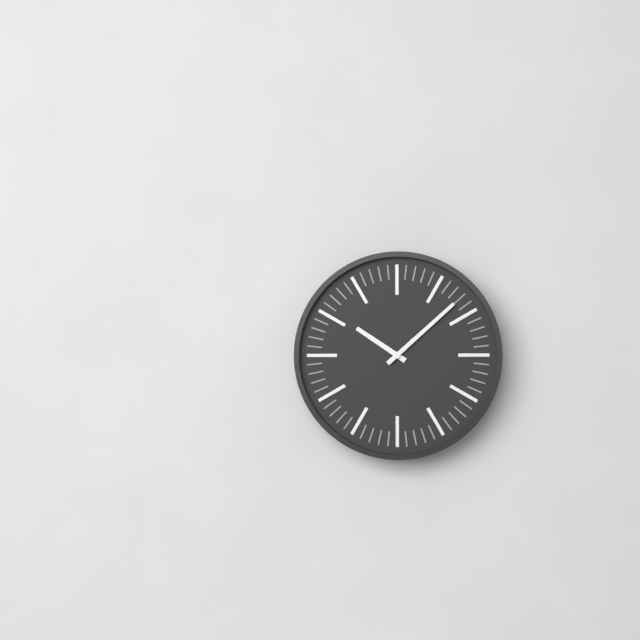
10 h 08 min
